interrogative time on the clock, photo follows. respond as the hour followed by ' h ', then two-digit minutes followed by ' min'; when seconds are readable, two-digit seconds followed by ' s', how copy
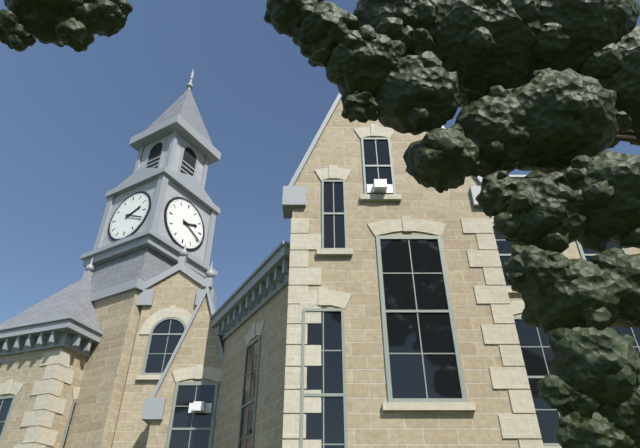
2 h 19 min
